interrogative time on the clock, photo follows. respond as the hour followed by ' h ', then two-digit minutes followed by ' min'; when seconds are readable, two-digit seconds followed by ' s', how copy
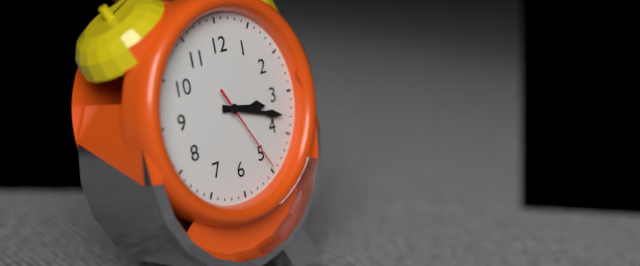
3 h 18 min 25 s
